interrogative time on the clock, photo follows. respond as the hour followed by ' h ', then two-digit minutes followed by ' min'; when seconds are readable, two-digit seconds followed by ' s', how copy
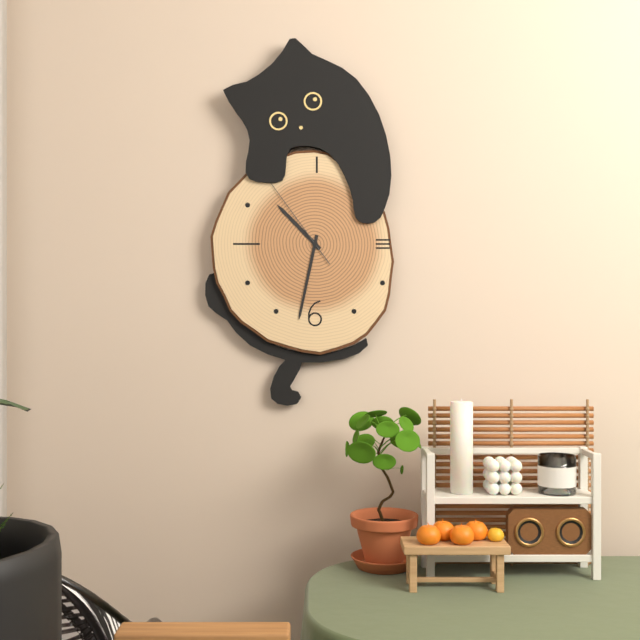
10 h 32 min 54 s
